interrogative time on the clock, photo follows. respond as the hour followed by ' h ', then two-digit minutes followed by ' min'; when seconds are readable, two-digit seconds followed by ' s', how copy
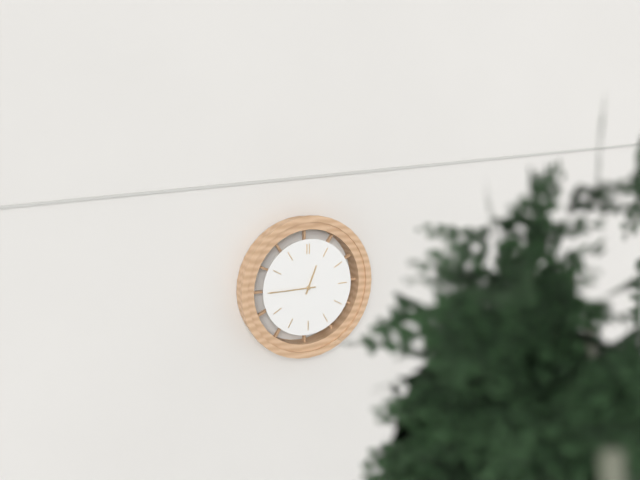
12 h 45 min
